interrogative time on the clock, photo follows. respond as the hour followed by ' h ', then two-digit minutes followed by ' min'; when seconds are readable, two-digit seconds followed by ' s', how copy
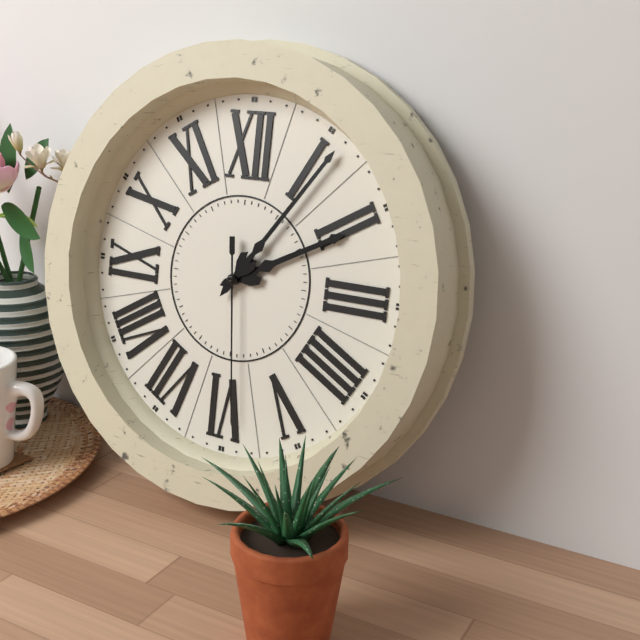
2 h 06 min 29 s
